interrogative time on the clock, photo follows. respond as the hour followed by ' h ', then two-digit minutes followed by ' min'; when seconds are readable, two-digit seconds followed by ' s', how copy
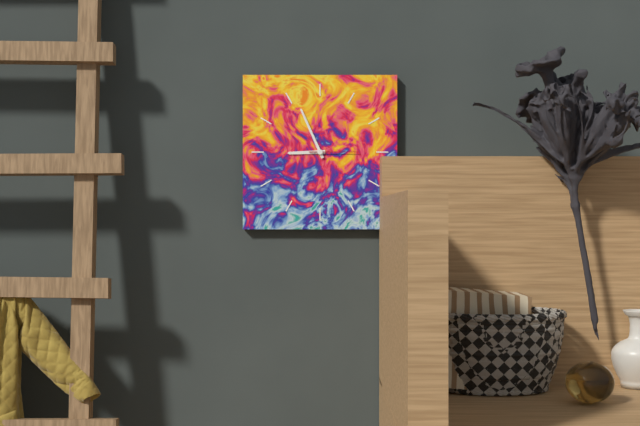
8 h 56 min
